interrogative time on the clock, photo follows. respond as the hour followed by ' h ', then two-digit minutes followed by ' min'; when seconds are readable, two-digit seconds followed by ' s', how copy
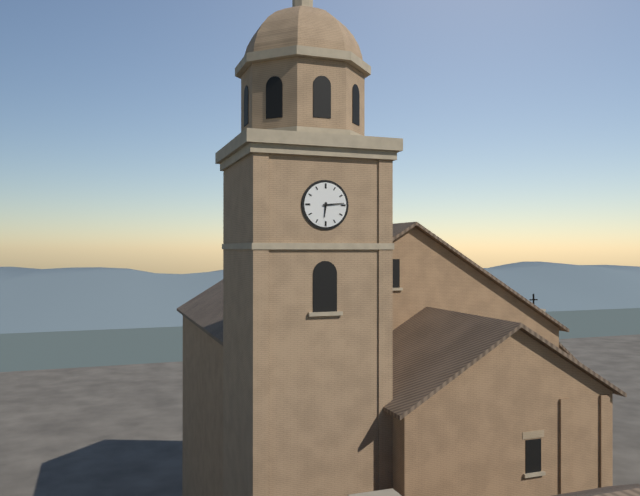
6 h 14 min
